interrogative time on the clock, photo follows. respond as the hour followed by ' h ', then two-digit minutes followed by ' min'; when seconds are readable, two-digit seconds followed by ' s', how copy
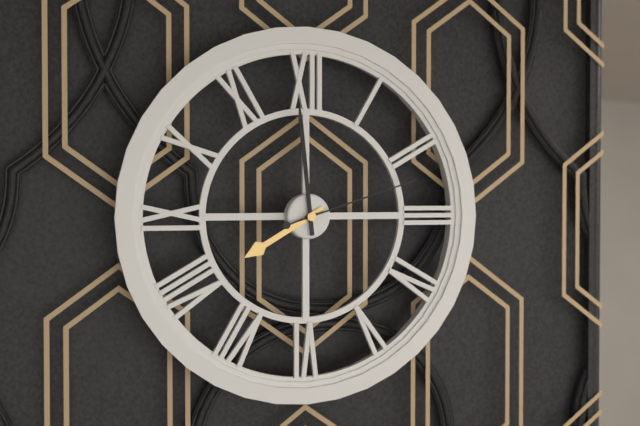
7 h 59 min 12 s
